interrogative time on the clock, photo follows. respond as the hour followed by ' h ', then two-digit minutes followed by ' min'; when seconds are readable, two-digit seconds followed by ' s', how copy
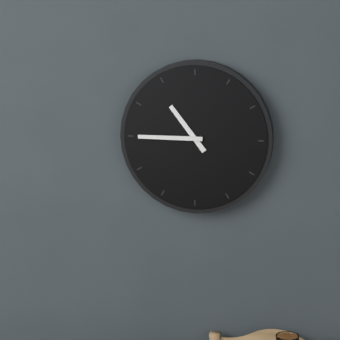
10 h 45 min
